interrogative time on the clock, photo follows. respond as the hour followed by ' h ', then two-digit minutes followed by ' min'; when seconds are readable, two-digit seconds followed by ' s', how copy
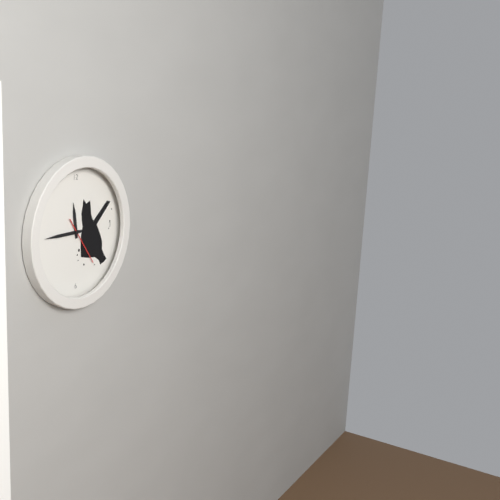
11 h 45 min
